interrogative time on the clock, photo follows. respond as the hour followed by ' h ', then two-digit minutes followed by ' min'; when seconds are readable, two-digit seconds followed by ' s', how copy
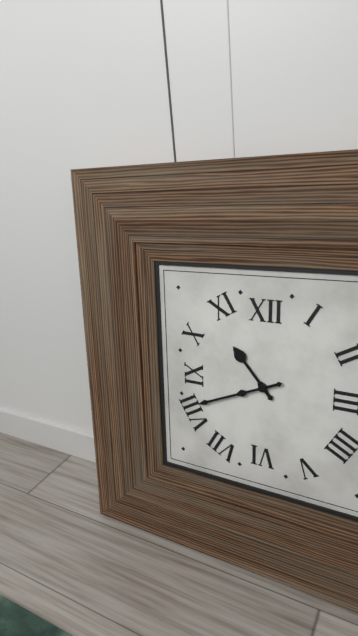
10 h 41 min
